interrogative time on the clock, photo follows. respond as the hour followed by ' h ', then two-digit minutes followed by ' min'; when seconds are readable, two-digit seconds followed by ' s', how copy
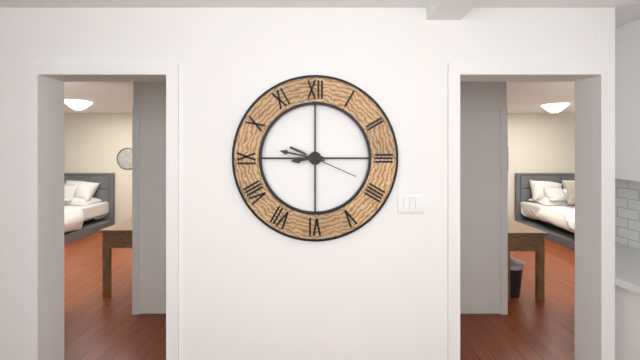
8 h 47 min 19 s
